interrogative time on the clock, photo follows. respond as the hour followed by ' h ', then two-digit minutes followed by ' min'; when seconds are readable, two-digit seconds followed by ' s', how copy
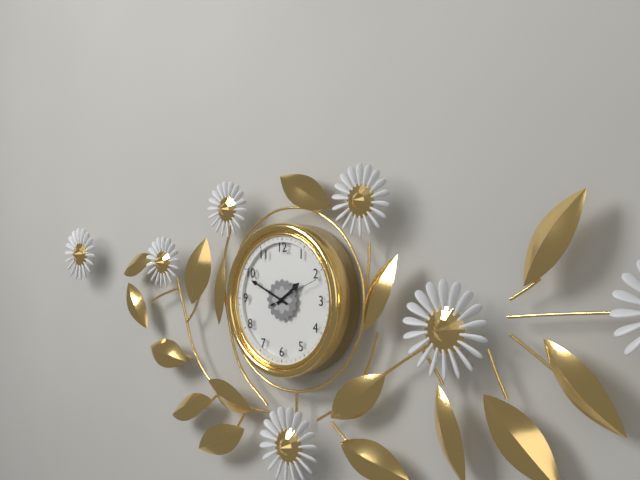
1 h 49 min 11 s
